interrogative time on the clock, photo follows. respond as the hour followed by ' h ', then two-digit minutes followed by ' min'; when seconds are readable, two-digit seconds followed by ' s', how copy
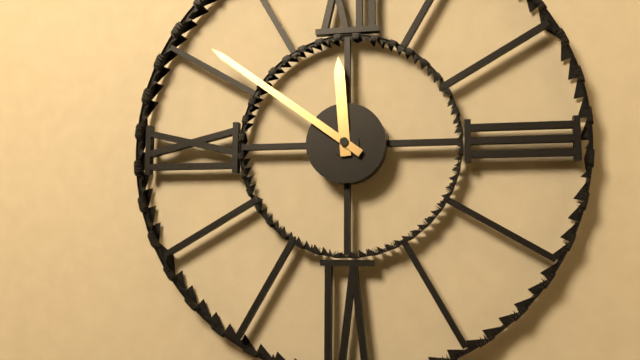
11 h 51 min
